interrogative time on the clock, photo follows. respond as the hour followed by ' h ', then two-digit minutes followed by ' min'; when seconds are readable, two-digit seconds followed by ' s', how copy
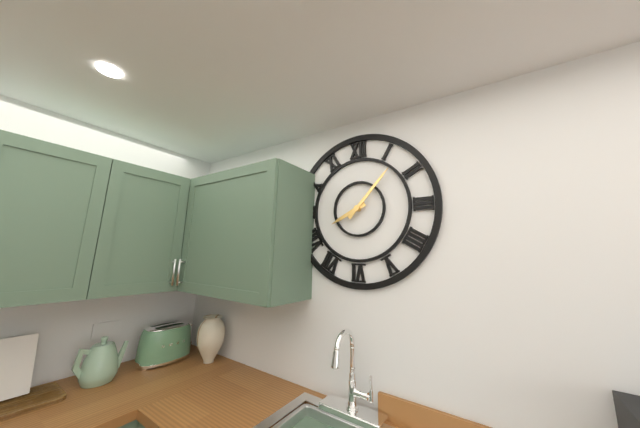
8 h 07 min
